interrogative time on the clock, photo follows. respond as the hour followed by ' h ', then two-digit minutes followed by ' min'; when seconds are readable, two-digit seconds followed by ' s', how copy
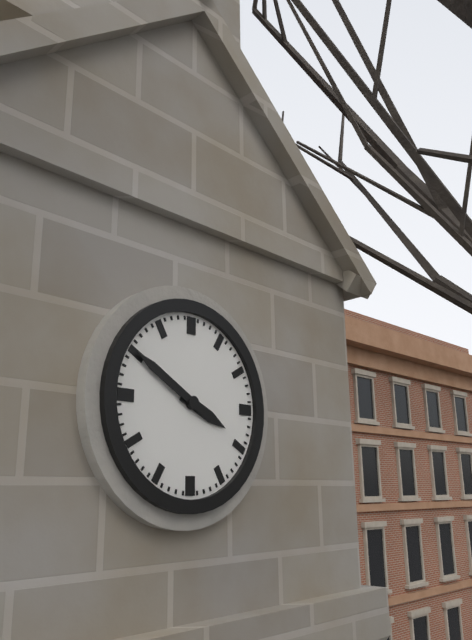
3 h 50 min
